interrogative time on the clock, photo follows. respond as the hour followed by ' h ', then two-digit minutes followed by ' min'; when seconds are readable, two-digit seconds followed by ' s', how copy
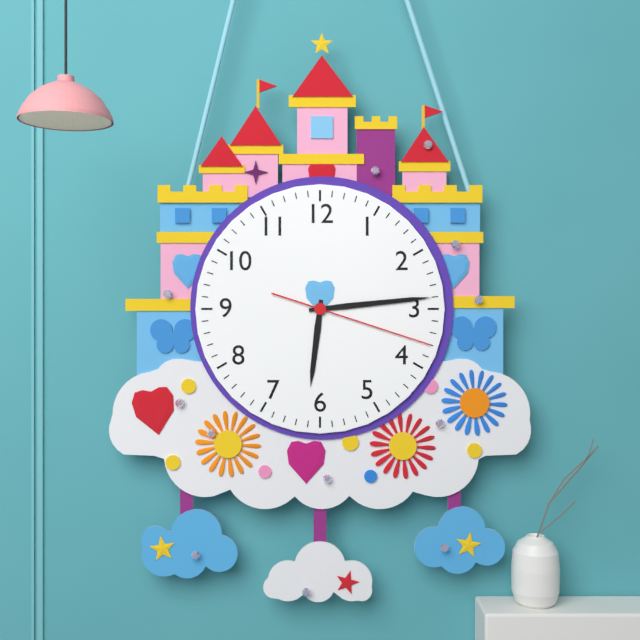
6 h 14 min 18 s
